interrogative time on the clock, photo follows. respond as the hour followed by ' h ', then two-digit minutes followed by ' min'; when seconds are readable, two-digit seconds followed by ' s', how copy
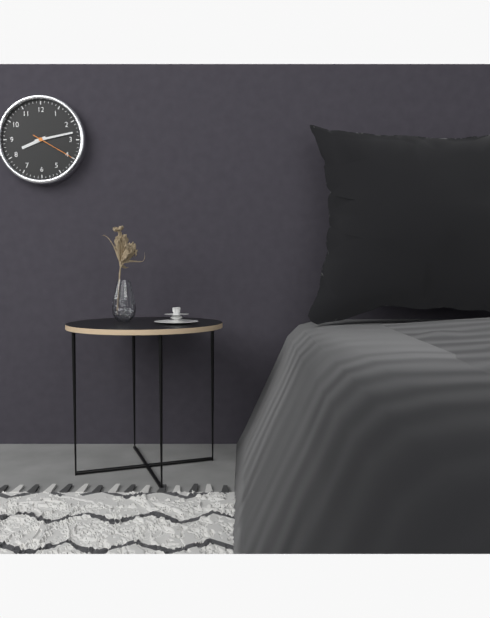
8 h 13 min
